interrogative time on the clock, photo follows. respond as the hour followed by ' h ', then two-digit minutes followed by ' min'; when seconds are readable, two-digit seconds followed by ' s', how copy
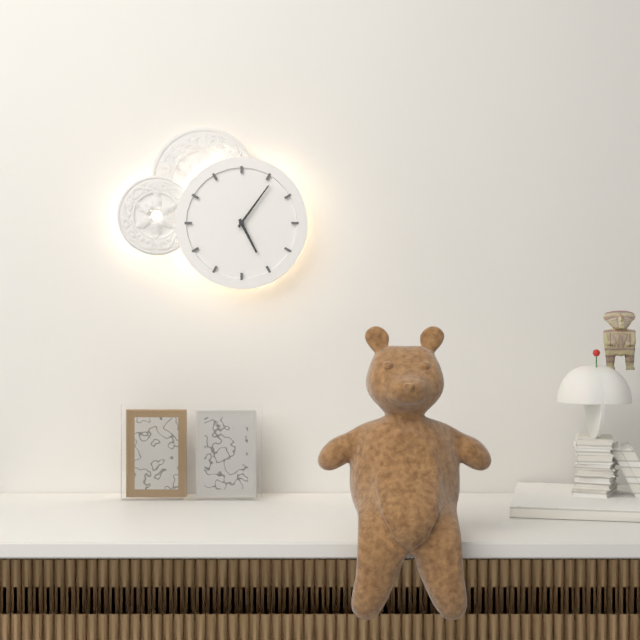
5 h 06 min
